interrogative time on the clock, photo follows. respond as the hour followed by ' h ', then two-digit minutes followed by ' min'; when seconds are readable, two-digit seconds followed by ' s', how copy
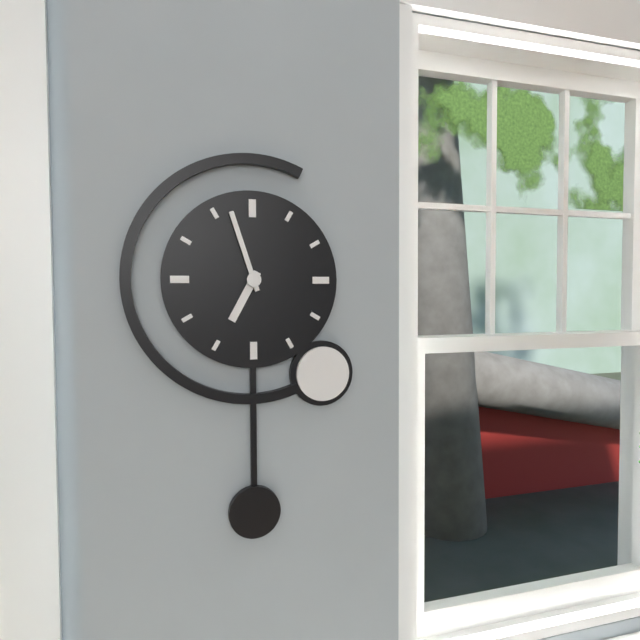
6 h 57 min
